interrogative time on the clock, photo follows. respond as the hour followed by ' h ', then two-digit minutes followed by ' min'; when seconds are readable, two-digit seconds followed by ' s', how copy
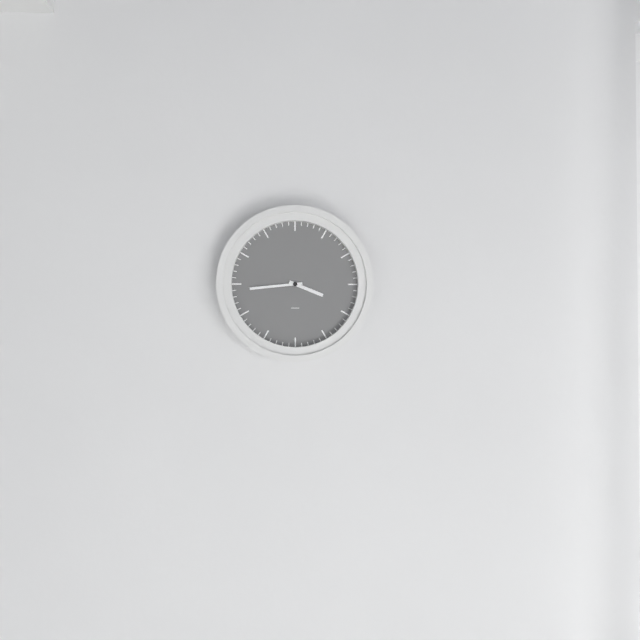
3 h 44 min
